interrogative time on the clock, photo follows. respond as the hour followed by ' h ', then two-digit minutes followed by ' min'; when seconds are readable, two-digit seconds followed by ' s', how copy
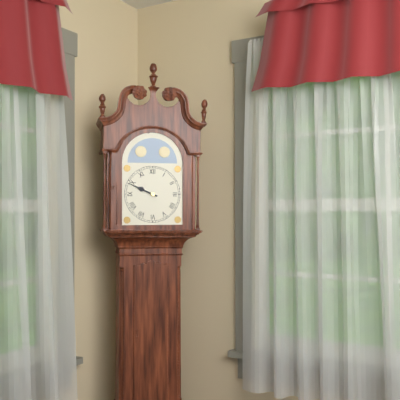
9 h 49 min
